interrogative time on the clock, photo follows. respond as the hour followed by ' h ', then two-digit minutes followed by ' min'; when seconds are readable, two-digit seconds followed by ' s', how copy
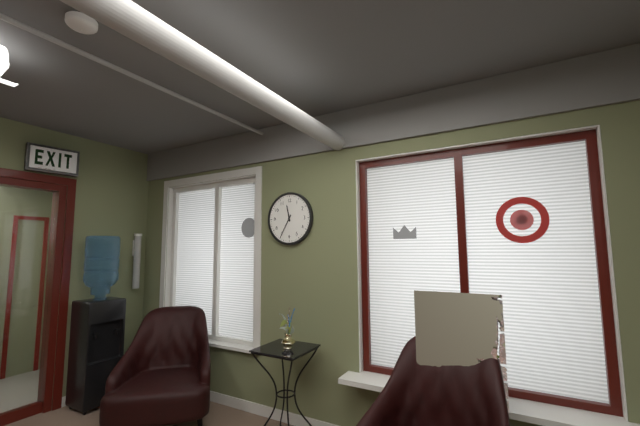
11 h 35 min
